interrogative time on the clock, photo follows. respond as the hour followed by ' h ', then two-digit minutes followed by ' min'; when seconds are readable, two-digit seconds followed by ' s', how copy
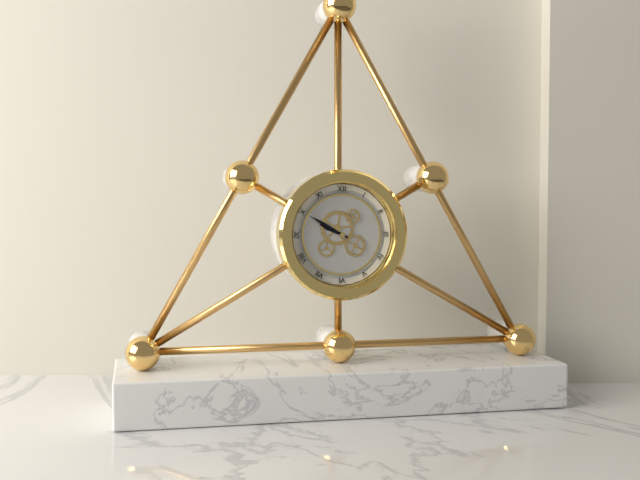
9 h 50 min
